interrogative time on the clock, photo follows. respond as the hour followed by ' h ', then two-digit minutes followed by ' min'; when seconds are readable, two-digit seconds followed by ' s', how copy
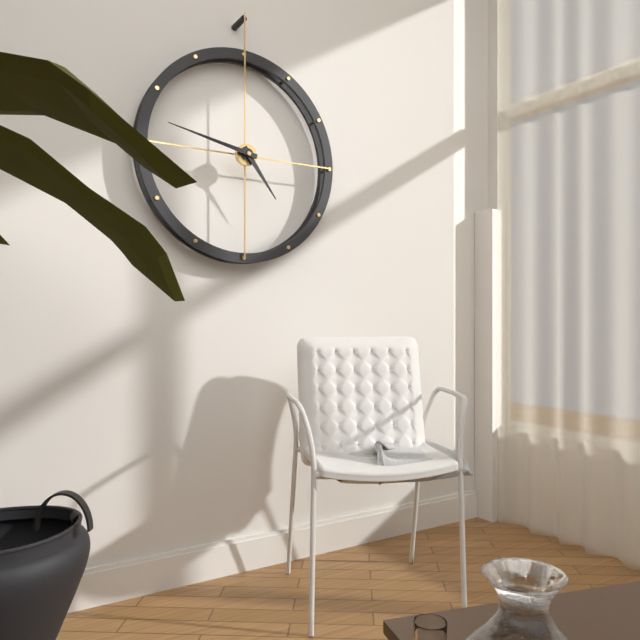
4 h 47 min
